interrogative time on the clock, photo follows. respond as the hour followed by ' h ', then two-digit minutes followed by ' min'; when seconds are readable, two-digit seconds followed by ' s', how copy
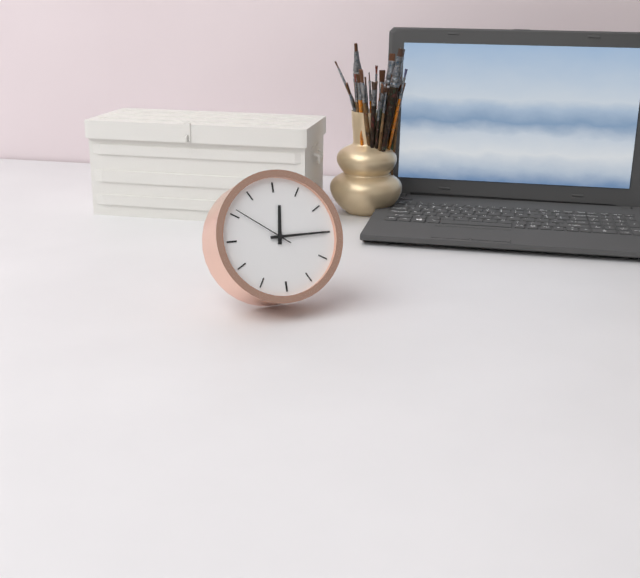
12 h 15 min 51 s
